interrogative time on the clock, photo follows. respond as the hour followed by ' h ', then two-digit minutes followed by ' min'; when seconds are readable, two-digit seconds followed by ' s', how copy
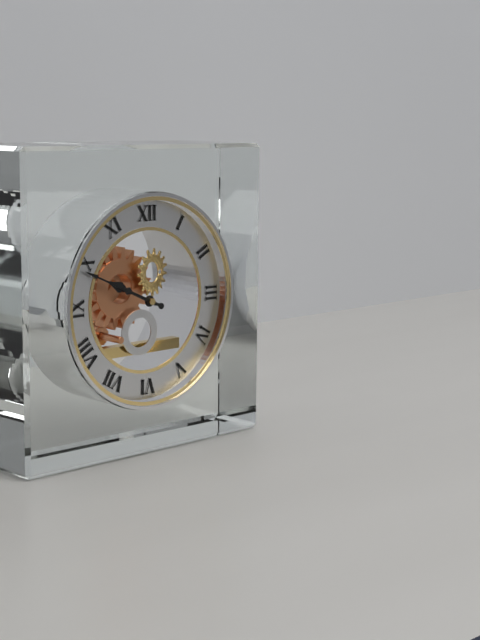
9 h 49 min
